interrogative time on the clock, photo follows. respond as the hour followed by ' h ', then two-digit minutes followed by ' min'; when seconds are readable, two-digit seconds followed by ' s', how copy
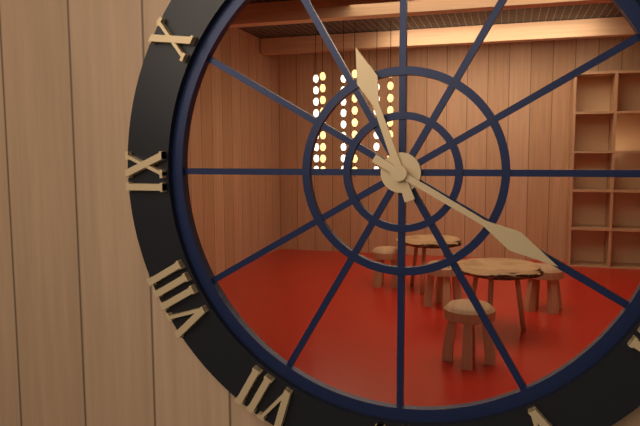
11 h 20 min
